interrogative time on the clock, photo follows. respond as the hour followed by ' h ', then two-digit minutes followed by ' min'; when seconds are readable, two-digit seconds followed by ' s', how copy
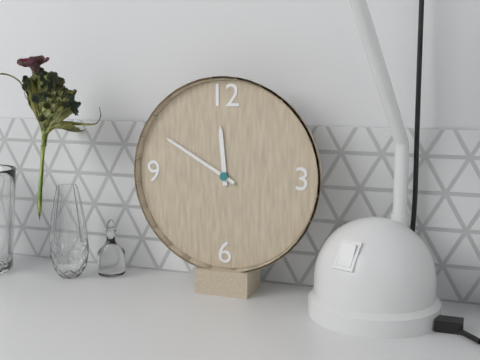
11 h 50 min
